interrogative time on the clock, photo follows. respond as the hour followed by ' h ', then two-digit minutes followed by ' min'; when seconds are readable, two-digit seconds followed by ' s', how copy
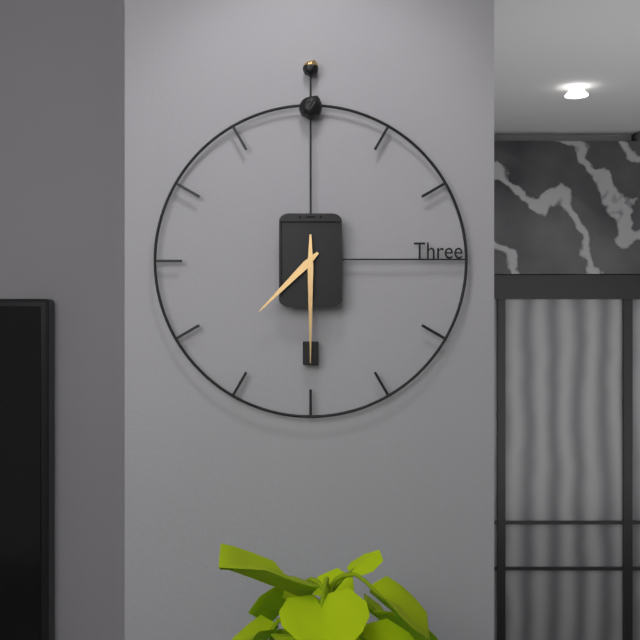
7 h 30 min
